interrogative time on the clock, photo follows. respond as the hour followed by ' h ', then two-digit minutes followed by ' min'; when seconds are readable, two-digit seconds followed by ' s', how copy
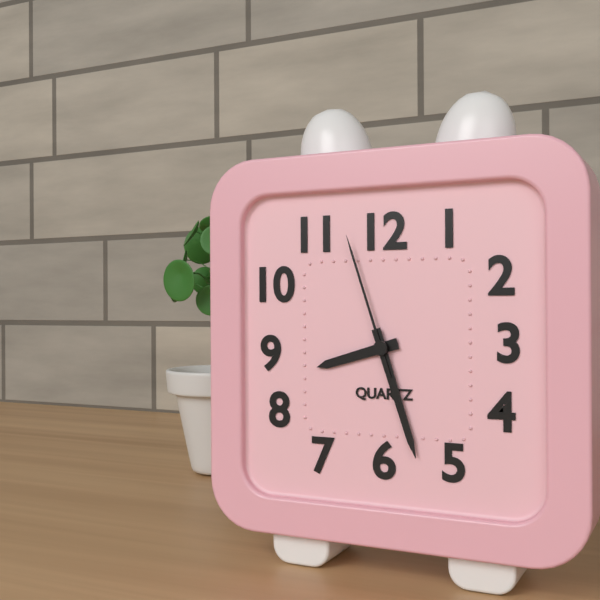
8 h 27 min 57 s
